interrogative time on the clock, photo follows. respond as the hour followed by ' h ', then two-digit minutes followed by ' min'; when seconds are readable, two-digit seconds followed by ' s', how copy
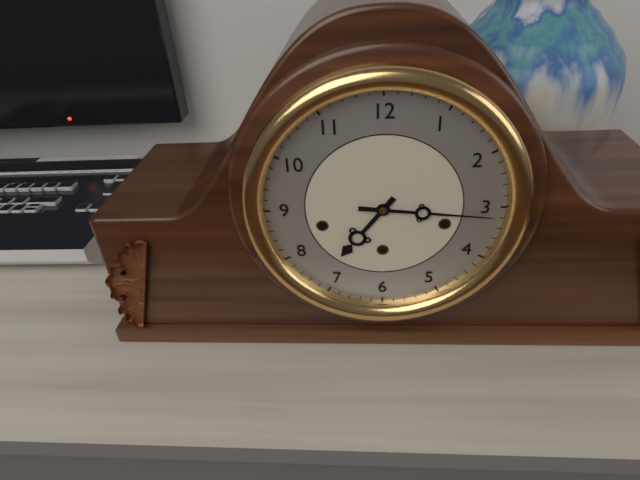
7 h 16 min
